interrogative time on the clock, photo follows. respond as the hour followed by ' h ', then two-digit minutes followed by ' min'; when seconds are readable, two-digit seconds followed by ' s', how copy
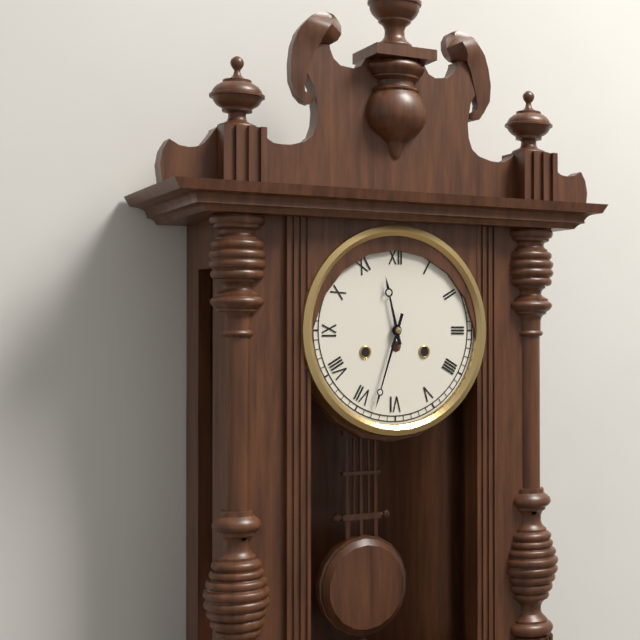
11 h 33 min
